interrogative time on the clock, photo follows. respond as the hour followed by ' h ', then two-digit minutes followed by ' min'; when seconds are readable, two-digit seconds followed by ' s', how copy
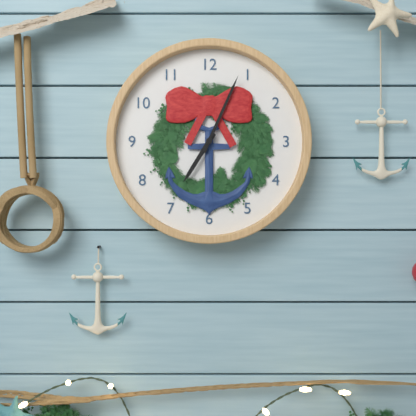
7 h 04 min
